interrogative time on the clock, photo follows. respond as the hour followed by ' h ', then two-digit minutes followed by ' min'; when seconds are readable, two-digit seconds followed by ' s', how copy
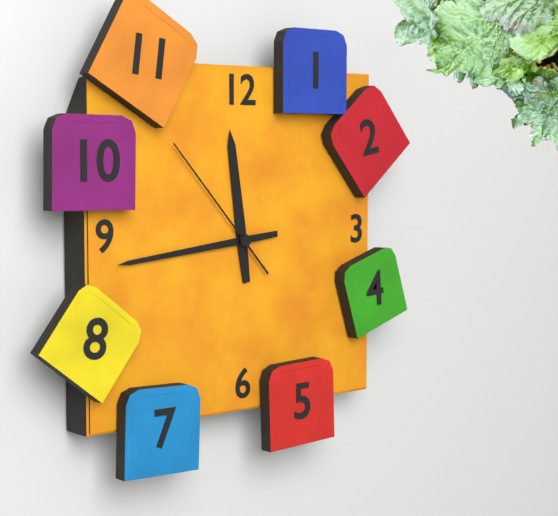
11 h 44 min 53 s
